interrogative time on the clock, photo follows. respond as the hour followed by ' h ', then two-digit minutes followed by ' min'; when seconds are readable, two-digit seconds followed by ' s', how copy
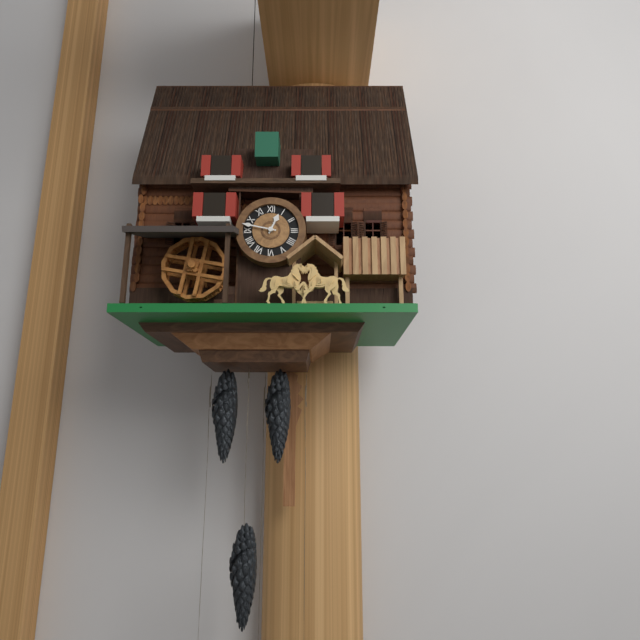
12 h 47 min
